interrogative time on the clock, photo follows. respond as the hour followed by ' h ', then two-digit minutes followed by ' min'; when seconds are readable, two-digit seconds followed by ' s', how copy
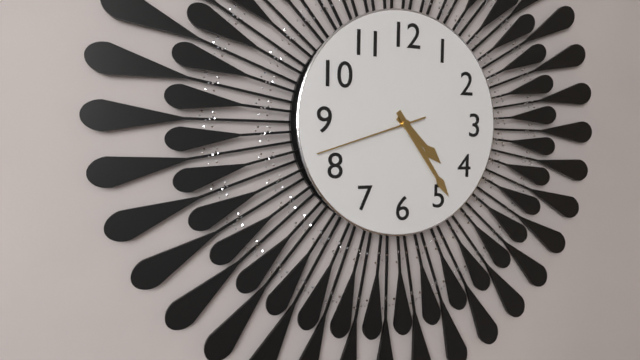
4 h 24 min 42 s
